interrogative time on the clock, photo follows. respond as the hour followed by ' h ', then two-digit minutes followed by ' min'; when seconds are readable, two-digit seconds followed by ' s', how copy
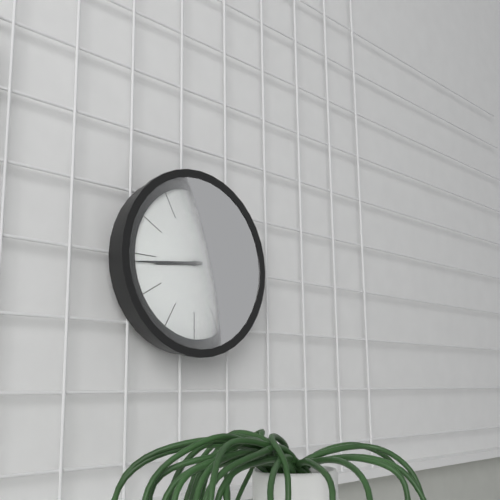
8 h 44 min
